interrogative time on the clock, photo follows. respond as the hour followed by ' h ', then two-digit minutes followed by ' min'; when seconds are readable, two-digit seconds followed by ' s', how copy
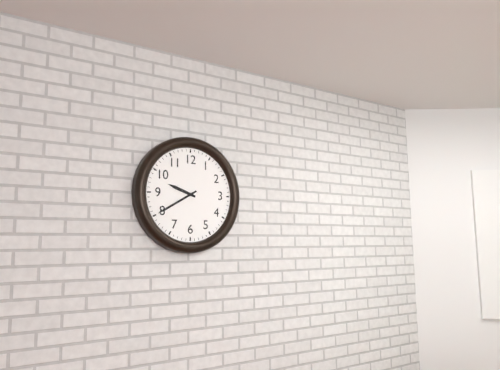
9 h 40 min
